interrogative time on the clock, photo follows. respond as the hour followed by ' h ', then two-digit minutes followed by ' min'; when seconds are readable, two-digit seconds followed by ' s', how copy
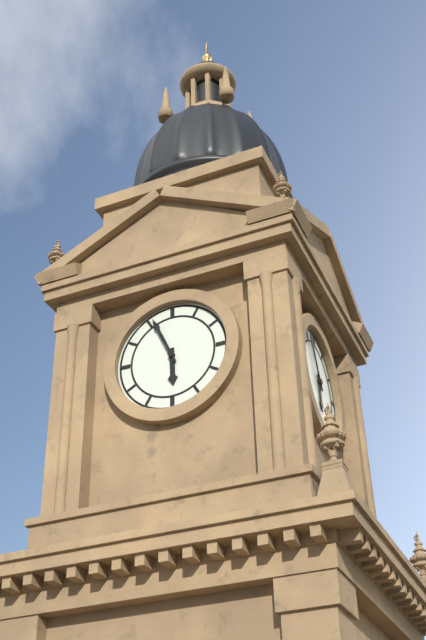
5 h 56 min
